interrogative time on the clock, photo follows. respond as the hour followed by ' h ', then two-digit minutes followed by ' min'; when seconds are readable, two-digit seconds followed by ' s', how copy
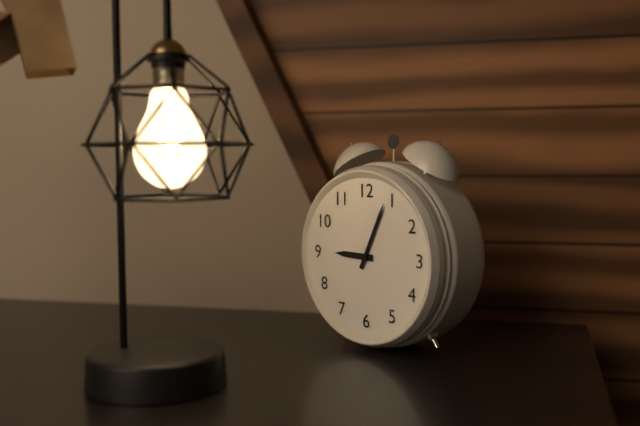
9 h 04 min
